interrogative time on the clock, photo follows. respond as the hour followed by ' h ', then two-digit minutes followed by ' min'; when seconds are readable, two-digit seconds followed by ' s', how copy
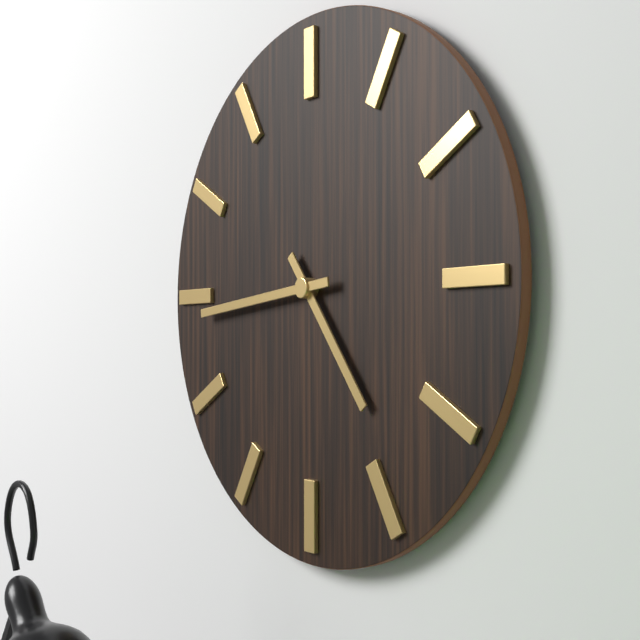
4 h 44 min
